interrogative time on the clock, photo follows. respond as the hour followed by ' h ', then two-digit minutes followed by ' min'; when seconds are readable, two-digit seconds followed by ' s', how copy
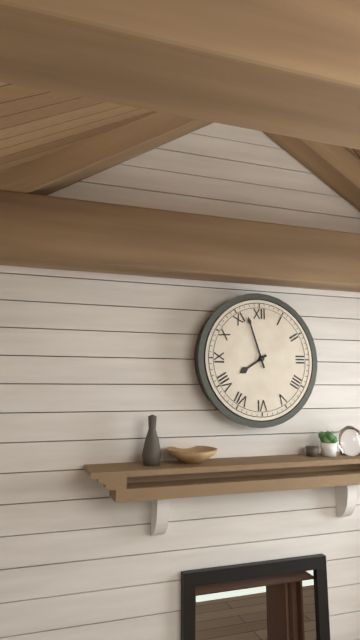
7 h 57 min
